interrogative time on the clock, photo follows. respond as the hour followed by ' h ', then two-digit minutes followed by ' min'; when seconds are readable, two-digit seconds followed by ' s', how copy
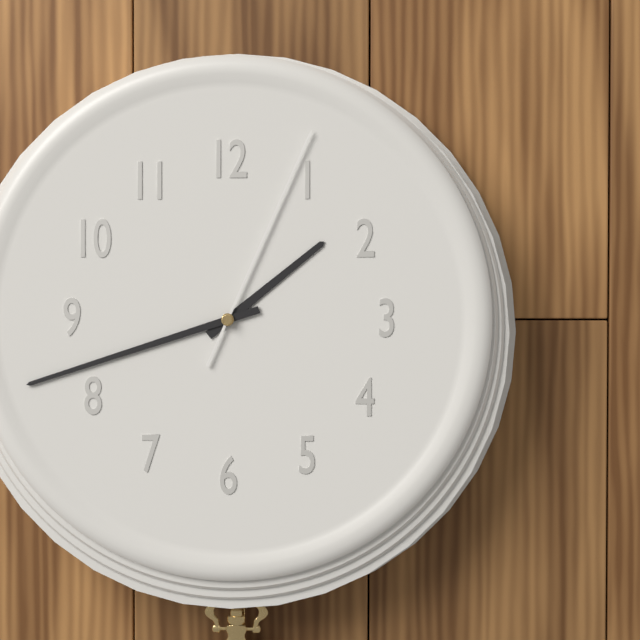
1 h 42 min 04 s
